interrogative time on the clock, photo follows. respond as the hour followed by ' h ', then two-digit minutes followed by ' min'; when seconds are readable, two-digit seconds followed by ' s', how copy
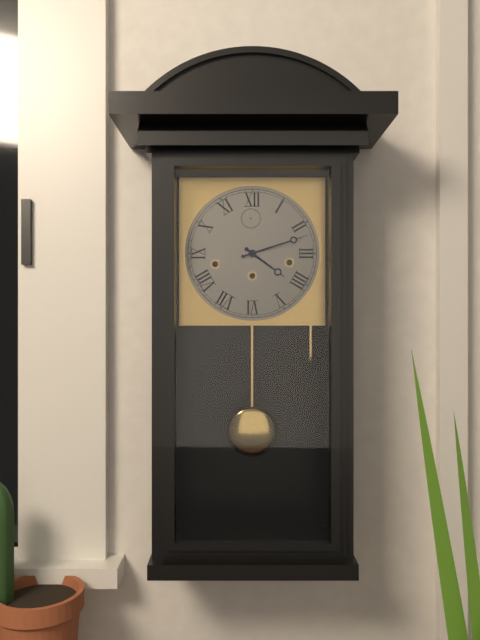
4 h 12 min
